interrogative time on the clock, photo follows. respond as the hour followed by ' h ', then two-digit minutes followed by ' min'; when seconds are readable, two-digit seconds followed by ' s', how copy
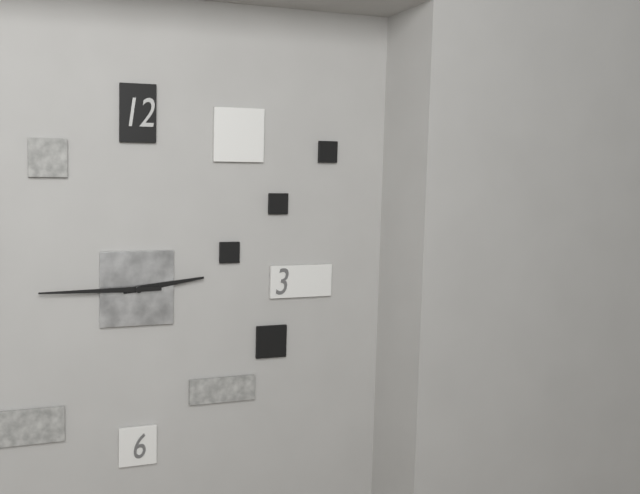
2 h 45 min
